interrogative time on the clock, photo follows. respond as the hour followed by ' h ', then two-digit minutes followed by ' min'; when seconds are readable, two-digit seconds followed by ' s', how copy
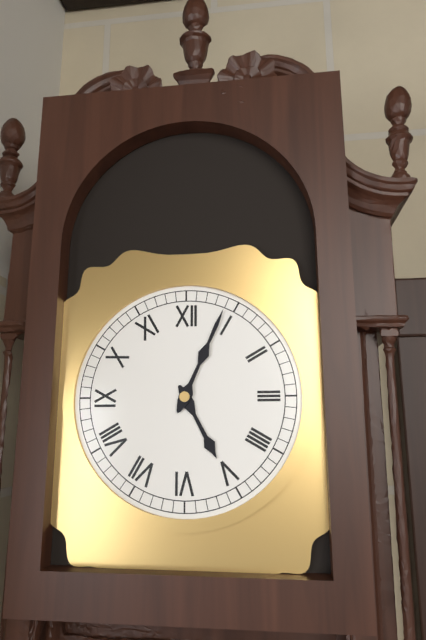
5 h 04 min
